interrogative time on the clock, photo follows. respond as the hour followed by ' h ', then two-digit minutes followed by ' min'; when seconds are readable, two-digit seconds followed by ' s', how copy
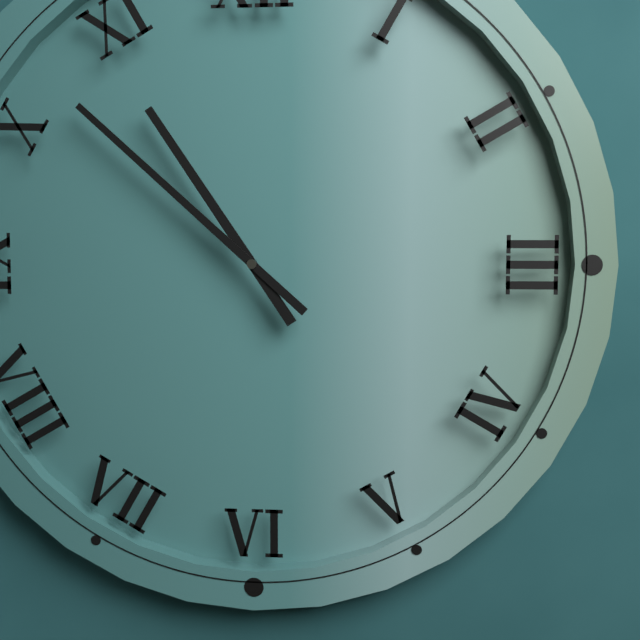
10 h 52 min
